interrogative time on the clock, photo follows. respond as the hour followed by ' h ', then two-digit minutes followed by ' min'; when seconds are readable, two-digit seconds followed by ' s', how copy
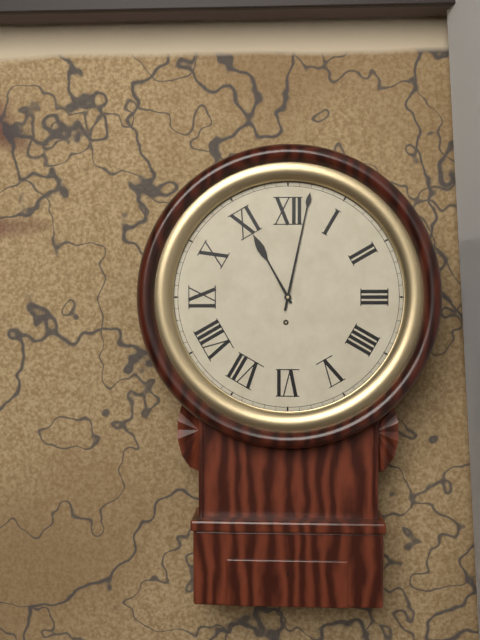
11 h 02 min
